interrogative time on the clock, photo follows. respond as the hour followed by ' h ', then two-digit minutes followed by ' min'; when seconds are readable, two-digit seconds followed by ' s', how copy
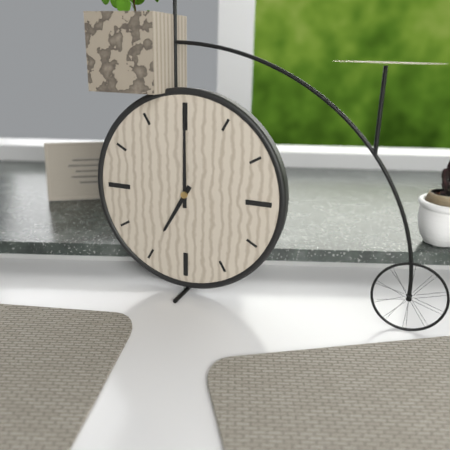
7 h 00 min
